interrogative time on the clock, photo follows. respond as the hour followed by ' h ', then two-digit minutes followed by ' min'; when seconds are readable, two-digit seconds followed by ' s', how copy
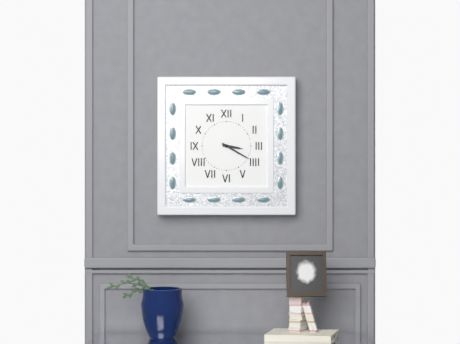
3 h 20 min
